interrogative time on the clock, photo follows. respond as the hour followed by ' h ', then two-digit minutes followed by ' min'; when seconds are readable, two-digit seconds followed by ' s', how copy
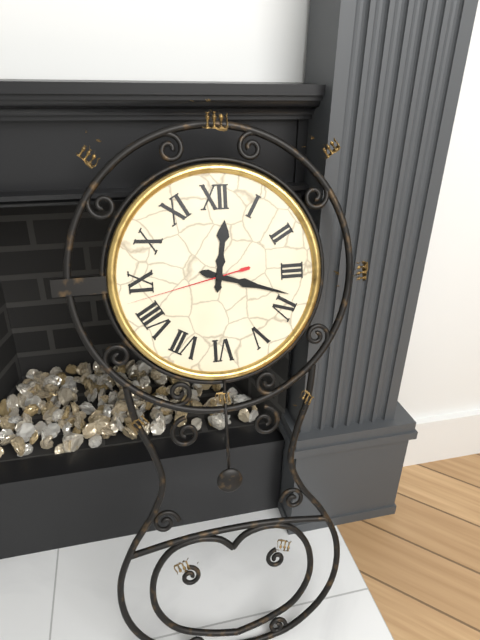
12 h 18 min 43 s
